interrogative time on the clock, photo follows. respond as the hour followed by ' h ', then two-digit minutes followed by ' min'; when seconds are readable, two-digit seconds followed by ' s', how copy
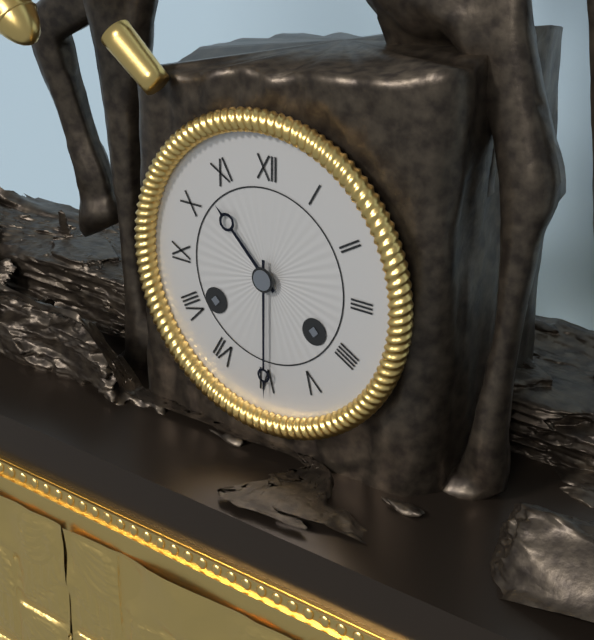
10 h 30 min
